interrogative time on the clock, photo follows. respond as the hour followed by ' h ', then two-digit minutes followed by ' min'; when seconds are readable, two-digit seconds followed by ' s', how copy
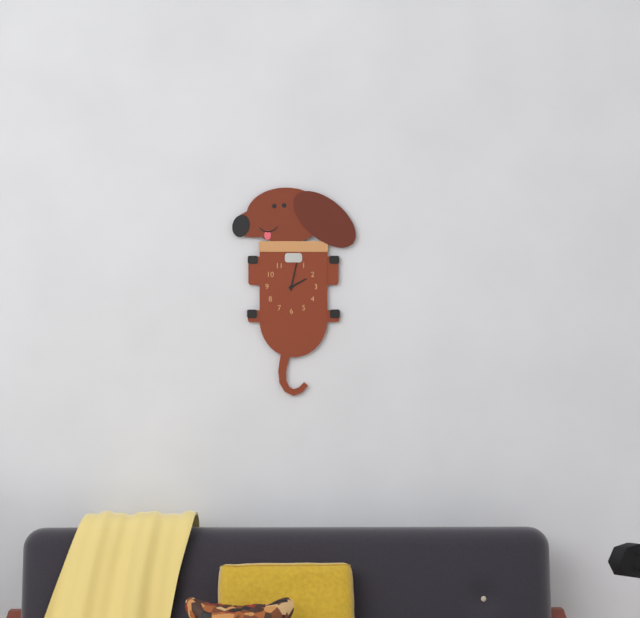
2 h 02 min
